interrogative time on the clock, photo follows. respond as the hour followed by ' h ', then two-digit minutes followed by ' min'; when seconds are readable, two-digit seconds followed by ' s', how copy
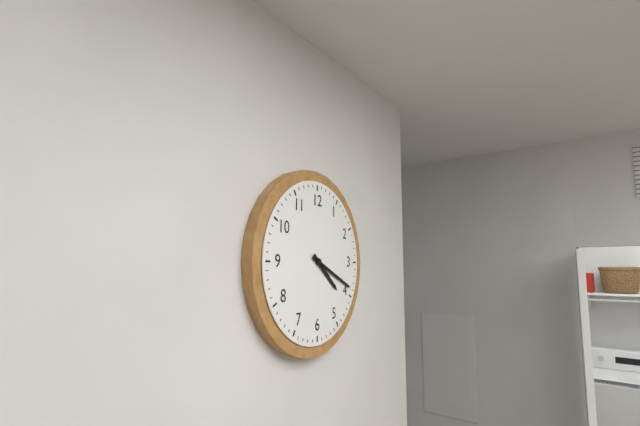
4 h 19 min
